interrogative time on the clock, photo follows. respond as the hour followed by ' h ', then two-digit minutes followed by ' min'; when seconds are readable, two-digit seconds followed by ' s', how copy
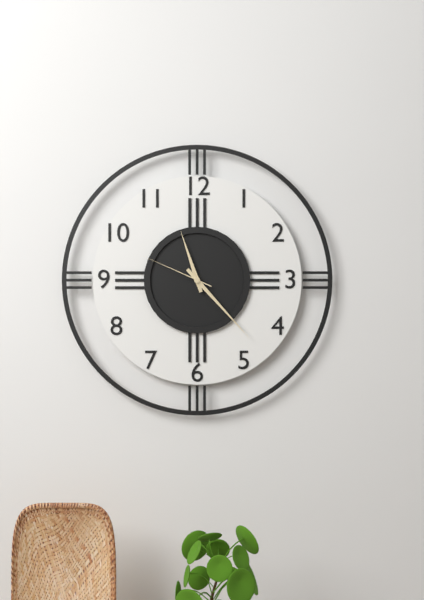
11 h 23 min 49 s
